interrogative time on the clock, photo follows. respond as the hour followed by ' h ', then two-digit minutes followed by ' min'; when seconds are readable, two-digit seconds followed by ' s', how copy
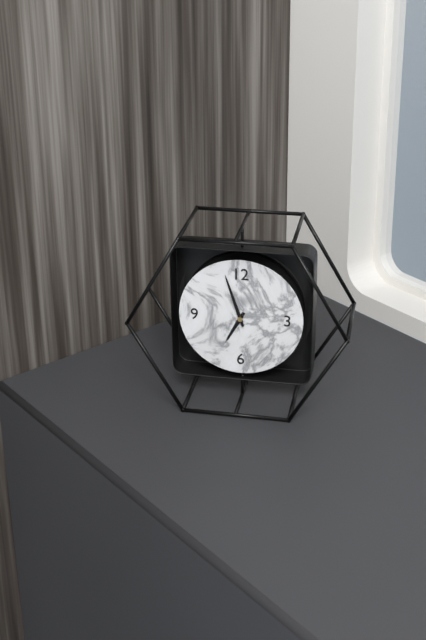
6 h 57 min
